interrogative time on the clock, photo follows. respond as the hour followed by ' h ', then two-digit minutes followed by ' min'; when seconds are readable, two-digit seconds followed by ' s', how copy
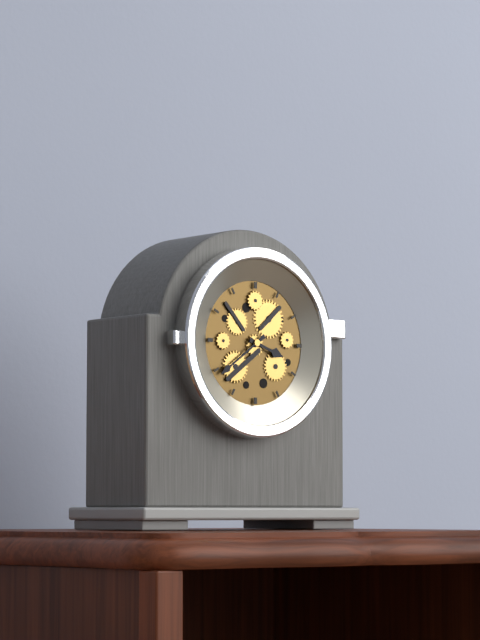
3 h 39 min
